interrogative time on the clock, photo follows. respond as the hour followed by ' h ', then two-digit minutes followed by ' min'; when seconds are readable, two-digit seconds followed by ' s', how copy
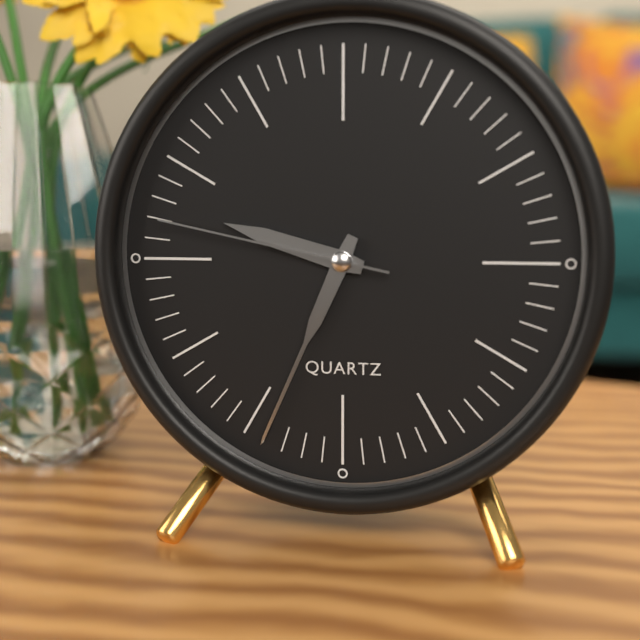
9 h 34 min 47 s
